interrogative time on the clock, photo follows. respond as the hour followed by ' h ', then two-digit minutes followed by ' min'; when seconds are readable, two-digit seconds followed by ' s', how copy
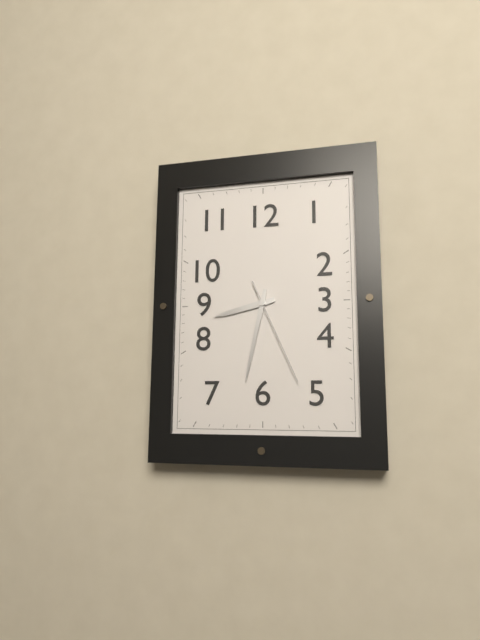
8 h 32 min 26 s
